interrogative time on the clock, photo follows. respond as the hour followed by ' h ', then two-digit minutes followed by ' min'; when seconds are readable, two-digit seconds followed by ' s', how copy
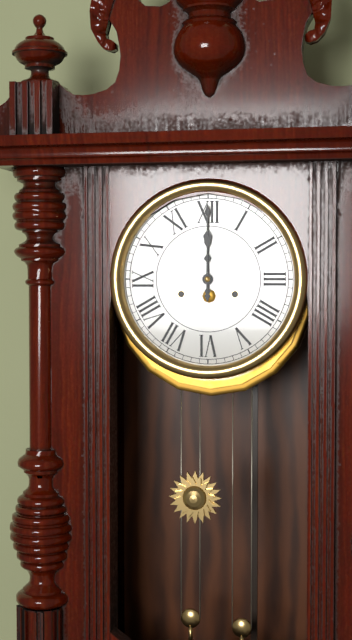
12 h 00 min
